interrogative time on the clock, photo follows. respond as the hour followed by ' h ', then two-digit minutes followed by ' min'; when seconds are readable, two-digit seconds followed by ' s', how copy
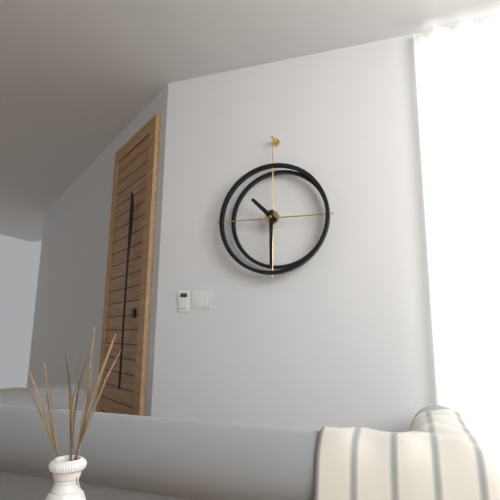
10 h 30 min
